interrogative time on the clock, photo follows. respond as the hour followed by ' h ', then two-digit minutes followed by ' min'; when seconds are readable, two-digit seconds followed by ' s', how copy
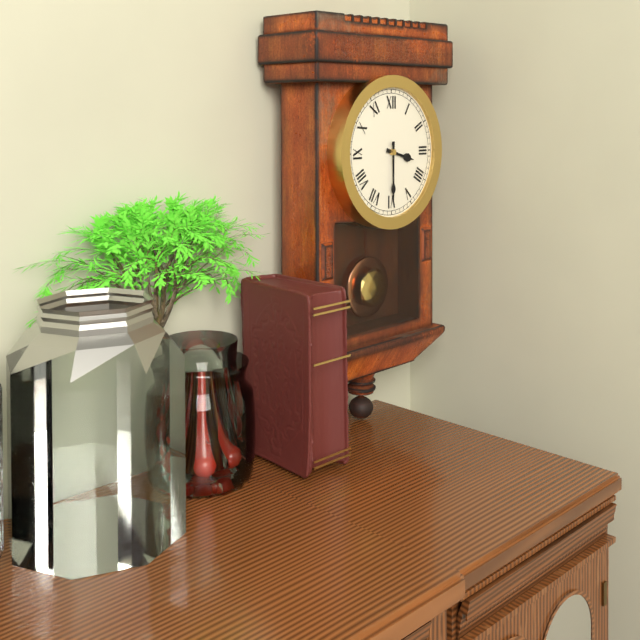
3 h 30 min
